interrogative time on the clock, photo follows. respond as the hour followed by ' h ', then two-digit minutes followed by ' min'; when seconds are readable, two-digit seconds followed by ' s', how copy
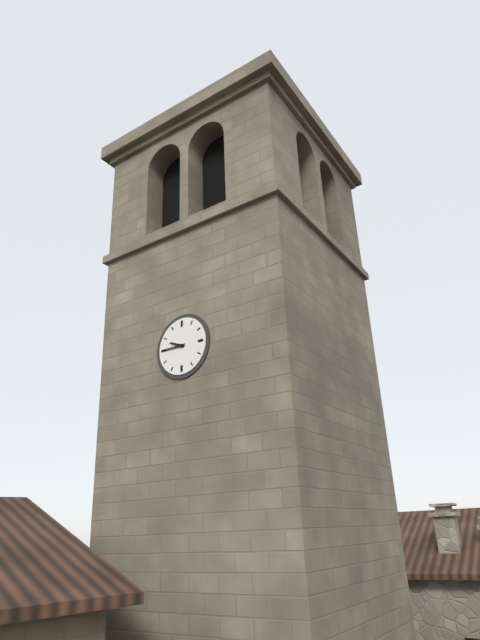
9 h 45 min
